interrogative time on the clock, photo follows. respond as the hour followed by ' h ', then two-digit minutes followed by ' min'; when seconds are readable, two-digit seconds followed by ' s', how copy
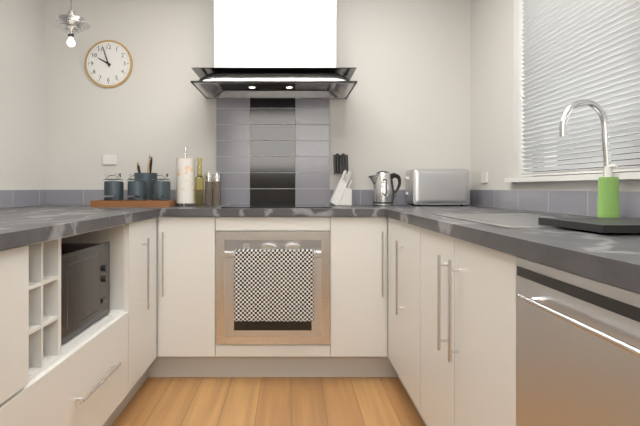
9 h 57 min
